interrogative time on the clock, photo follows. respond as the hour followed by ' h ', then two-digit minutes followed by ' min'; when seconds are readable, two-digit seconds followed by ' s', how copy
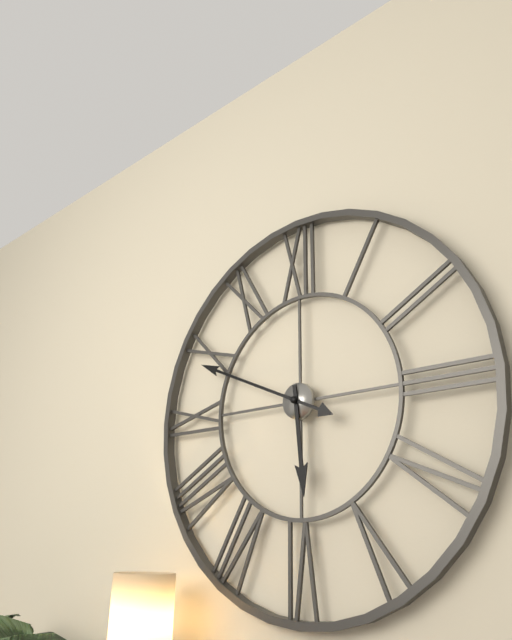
5 h 49 min
